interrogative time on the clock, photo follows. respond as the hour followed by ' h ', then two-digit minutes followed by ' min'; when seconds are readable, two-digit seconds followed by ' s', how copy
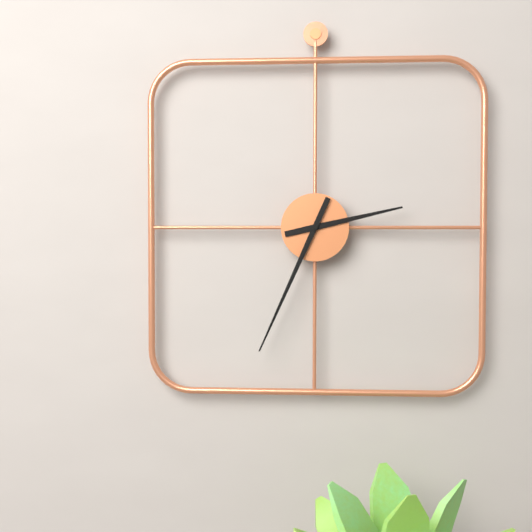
2 h 34 min
